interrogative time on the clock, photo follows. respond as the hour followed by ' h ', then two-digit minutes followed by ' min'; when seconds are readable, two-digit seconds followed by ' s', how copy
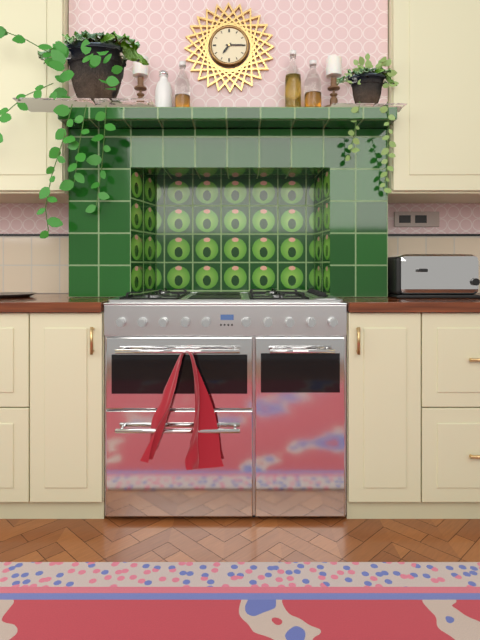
7 h 15 min
